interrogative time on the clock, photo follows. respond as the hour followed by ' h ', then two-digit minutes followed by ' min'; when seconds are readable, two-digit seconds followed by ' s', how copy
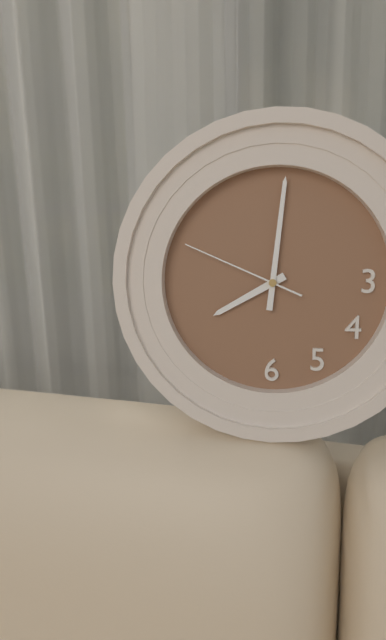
8 h 01 min 49 s
